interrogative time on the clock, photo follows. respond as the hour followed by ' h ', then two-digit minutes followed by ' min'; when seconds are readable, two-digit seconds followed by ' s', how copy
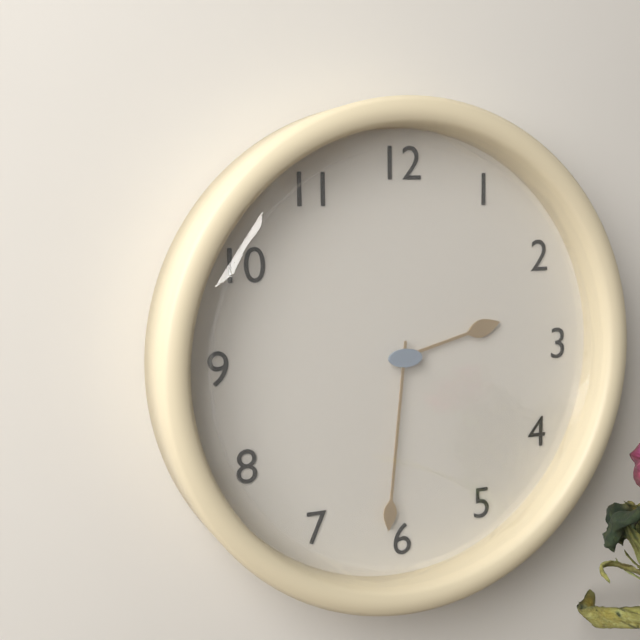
2 h 31 min
